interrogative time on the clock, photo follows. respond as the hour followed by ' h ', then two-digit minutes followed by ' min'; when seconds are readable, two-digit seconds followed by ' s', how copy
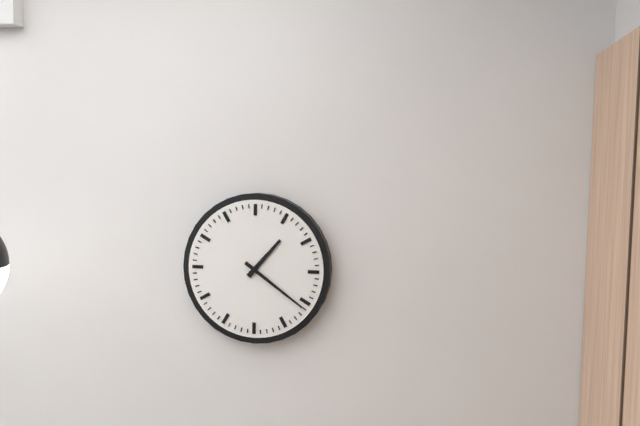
1 h 21 min
